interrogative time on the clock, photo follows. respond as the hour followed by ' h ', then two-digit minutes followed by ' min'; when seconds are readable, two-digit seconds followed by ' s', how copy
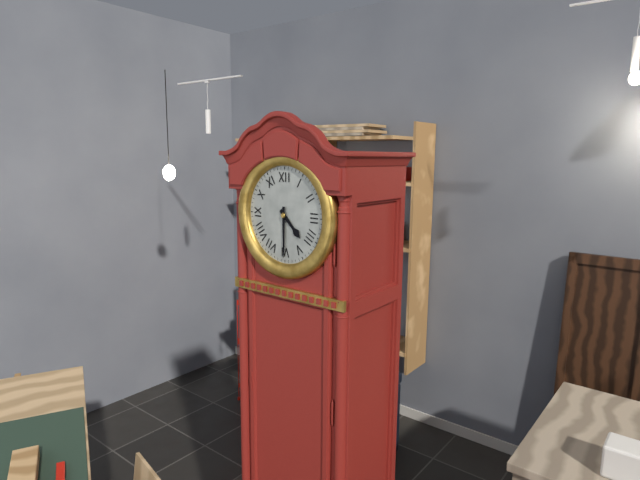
4 h 30 min
